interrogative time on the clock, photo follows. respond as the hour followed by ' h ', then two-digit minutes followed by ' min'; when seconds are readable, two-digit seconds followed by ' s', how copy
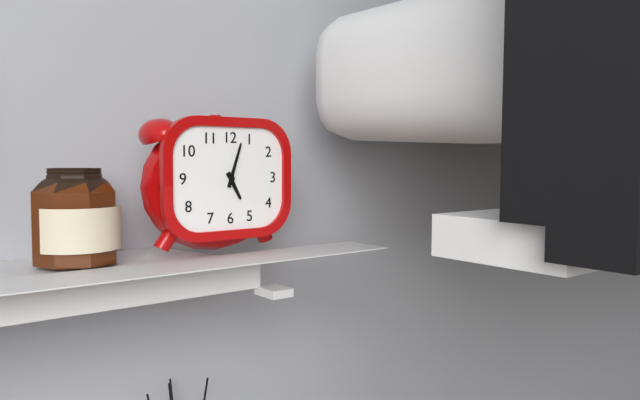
5 h 03 min
